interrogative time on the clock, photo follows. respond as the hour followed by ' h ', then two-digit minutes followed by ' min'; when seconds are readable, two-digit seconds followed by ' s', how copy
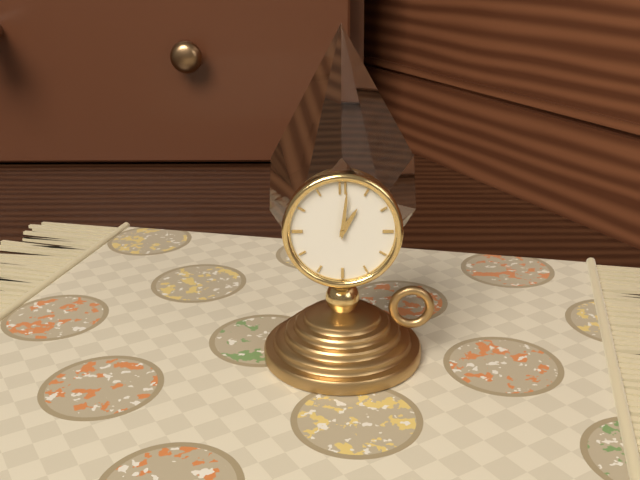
1 h 01 min
